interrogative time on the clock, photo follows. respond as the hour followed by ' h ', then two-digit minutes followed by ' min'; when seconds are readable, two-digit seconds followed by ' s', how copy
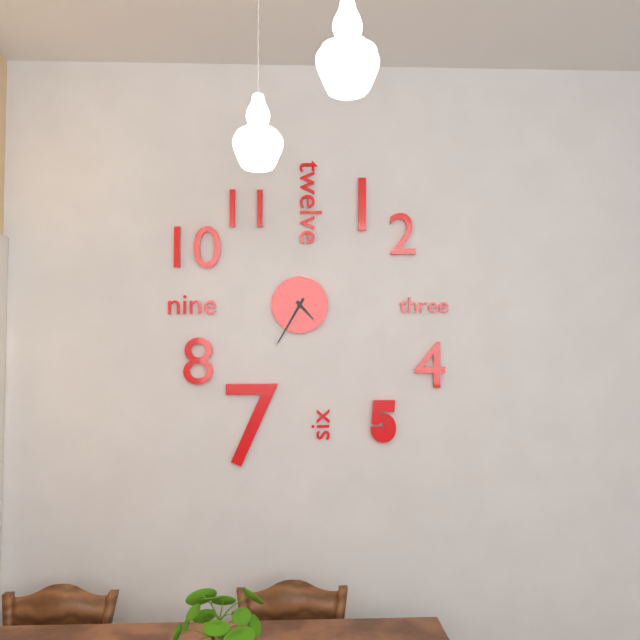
4 h 35 min
